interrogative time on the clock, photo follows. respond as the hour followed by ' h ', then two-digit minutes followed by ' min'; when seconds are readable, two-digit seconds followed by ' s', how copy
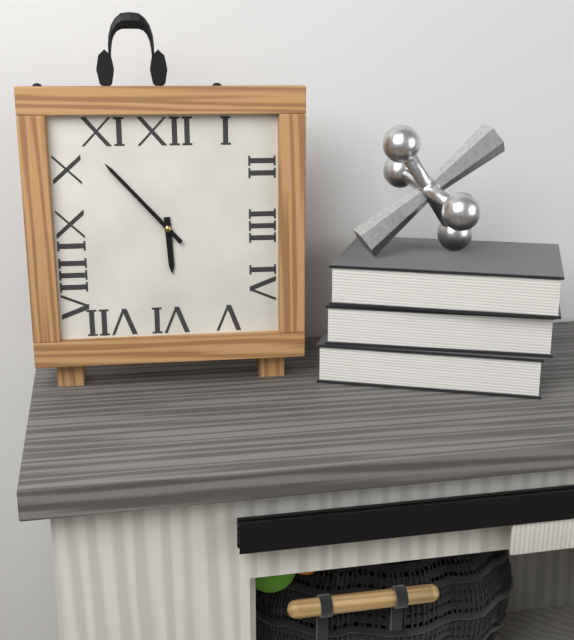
5 h 53 min
